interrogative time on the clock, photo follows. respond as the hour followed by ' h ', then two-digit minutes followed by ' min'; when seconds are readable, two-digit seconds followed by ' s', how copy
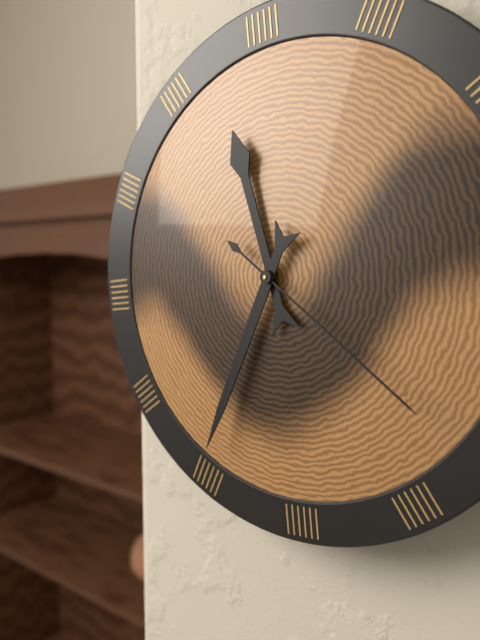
11 h 35 min 22 s
